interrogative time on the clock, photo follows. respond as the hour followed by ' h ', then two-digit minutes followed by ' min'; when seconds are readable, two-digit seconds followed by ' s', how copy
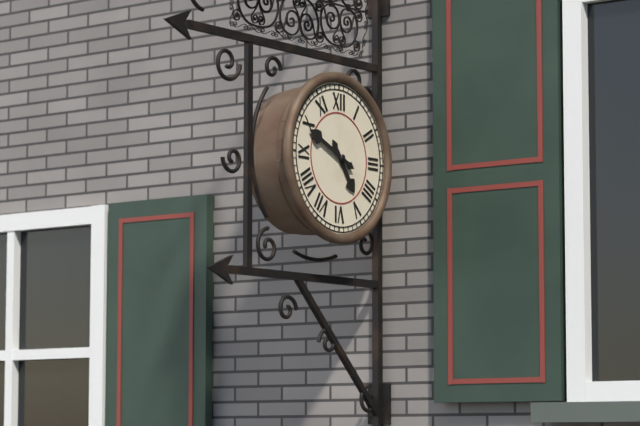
4 h 49 min
